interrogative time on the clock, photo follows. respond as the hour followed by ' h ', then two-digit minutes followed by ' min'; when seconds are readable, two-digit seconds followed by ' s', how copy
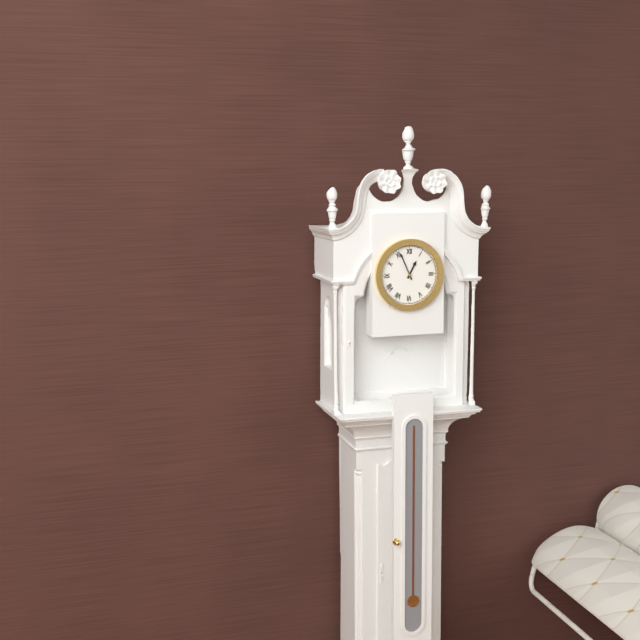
12 h 56 min
